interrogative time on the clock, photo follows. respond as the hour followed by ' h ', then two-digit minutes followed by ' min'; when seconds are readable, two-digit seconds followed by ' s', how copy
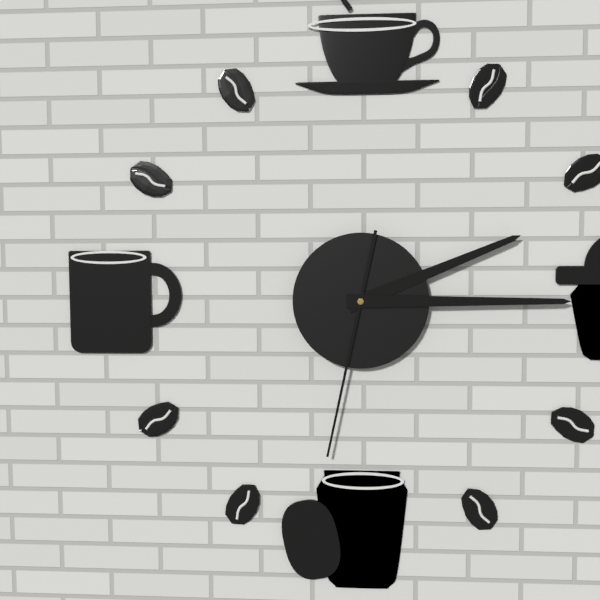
2 h 15 min 32 s
